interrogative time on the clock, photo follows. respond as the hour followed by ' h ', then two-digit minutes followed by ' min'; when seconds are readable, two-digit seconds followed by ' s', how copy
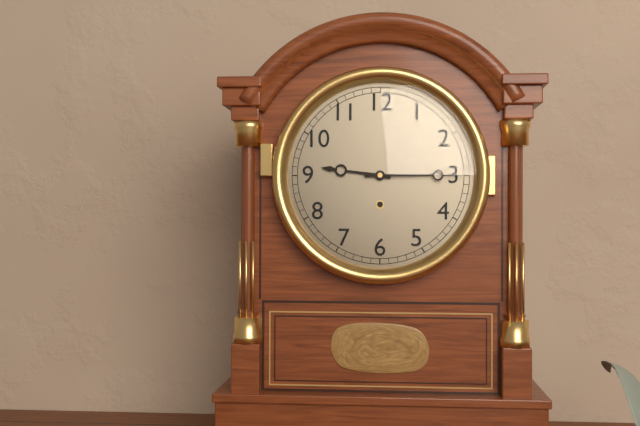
9 h 15 min
